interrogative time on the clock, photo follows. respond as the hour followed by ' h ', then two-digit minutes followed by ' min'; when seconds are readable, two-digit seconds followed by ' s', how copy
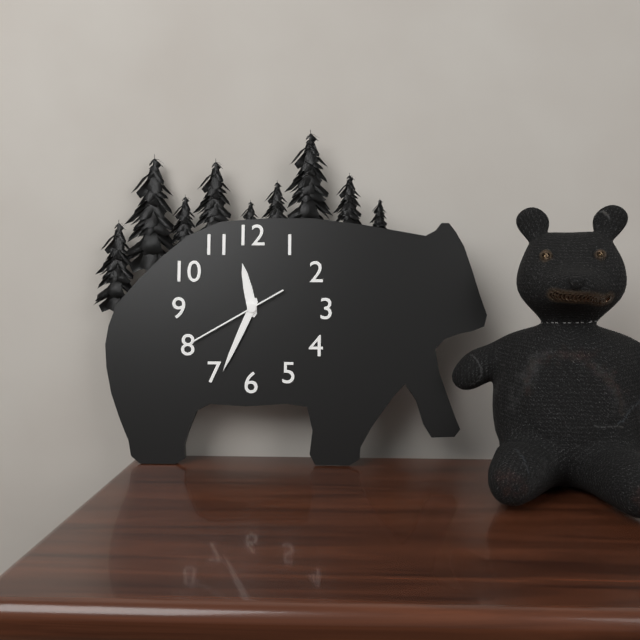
11 h 34 min 40 s
